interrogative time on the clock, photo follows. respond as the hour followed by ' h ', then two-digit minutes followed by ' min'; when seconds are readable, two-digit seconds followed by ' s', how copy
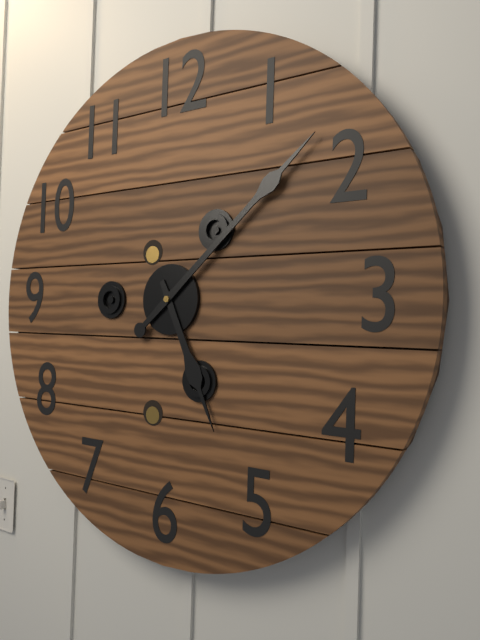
5 h 08 min
